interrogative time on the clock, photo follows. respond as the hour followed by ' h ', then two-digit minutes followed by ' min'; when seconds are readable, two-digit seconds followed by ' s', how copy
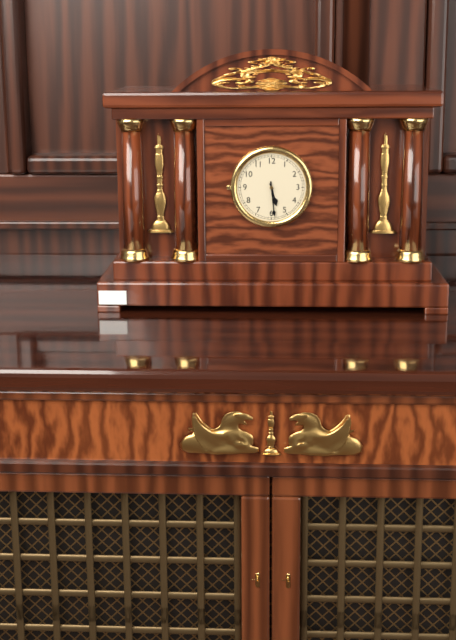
5 h 29 min
